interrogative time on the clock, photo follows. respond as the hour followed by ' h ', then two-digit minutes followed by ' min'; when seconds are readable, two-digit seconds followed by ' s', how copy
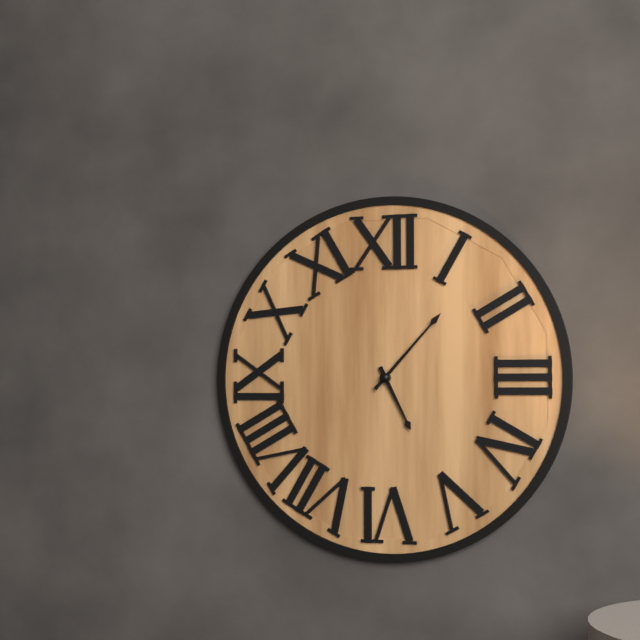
5 h 07 min
